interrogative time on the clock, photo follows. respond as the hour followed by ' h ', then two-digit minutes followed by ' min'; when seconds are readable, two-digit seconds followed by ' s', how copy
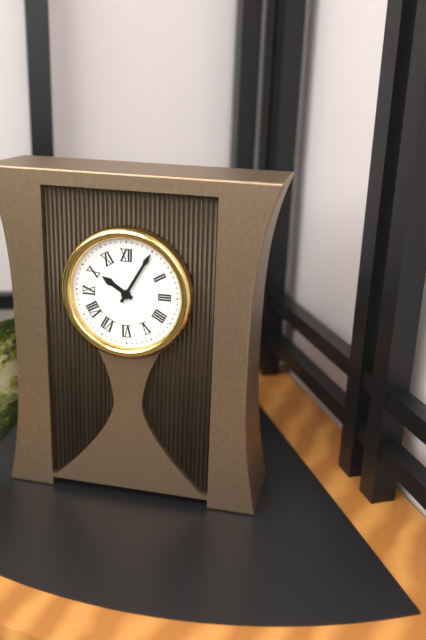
10 h 05 min
